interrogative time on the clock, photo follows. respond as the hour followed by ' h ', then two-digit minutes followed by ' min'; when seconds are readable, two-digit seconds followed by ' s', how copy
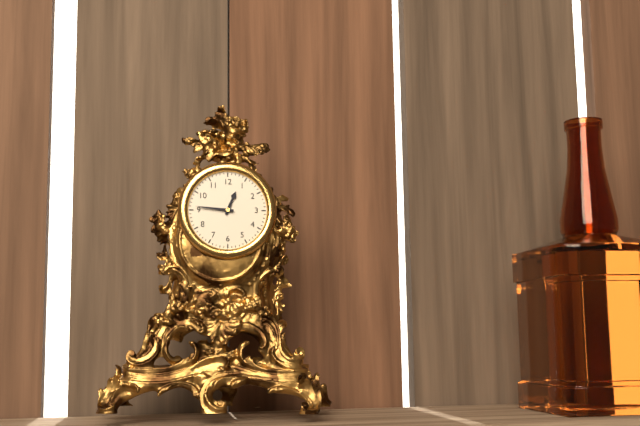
12 h 46 min
